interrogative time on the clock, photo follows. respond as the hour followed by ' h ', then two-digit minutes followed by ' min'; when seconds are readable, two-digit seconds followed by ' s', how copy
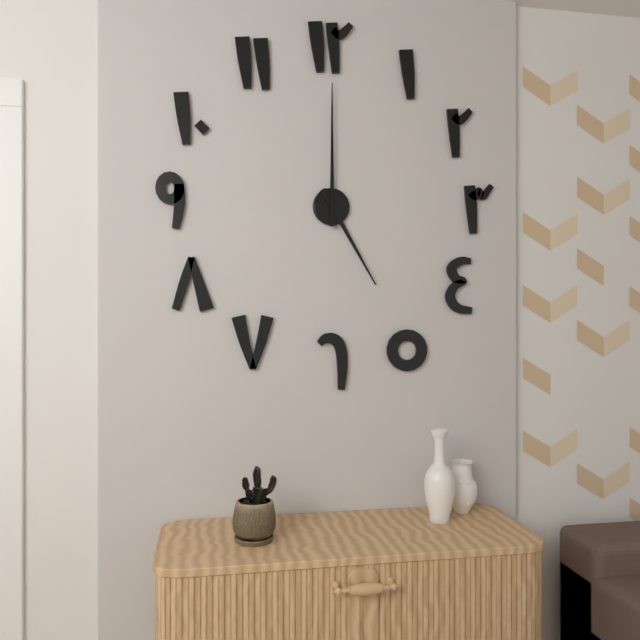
5 h 00 min
